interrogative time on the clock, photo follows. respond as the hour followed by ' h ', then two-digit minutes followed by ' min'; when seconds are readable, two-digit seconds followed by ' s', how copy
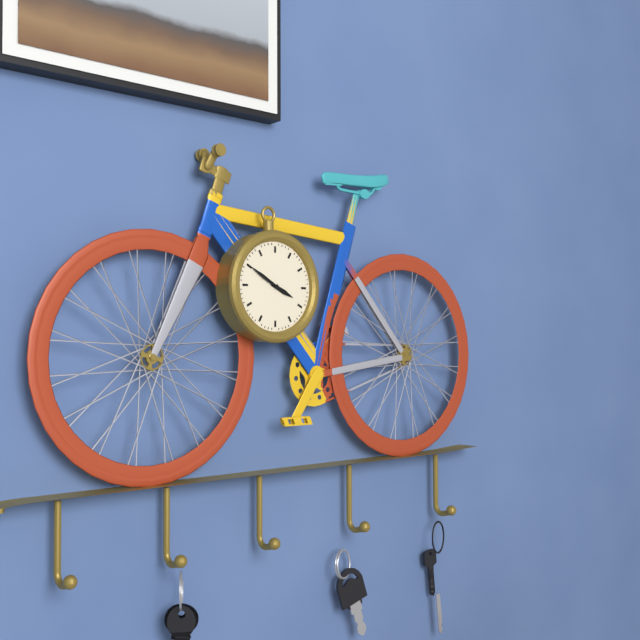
3 h 50 min
